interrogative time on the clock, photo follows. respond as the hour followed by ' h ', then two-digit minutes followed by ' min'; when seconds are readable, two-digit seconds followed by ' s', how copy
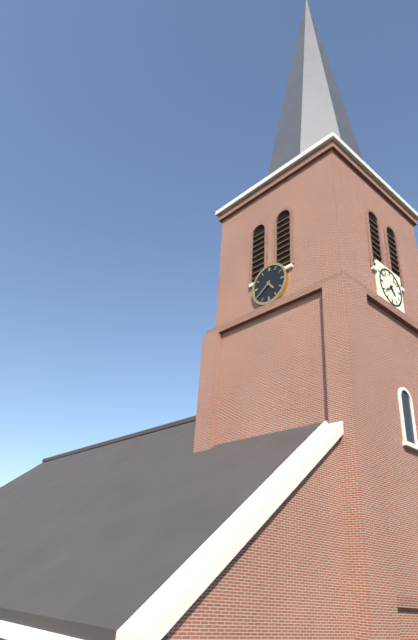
4 h 39 min
